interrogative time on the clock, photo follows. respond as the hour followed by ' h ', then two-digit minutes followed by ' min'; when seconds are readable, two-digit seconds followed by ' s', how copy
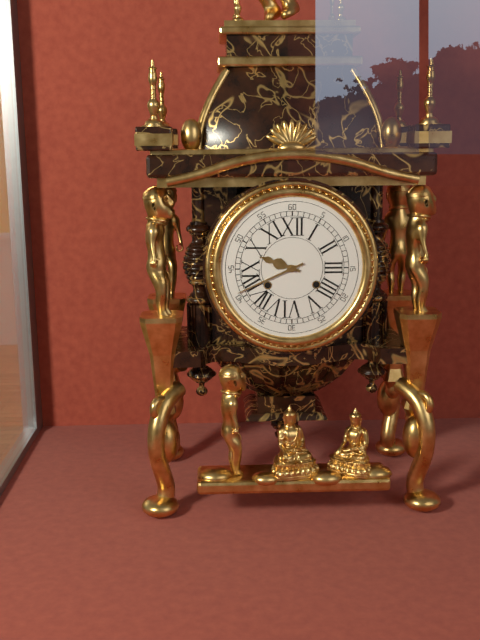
9 h 41 min
